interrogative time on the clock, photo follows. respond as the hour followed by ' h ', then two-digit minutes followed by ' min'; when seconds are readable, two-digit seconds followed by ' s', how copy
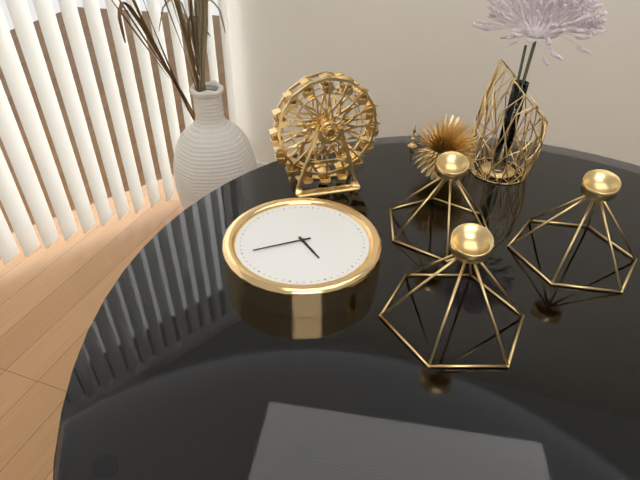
4 h 40 min
